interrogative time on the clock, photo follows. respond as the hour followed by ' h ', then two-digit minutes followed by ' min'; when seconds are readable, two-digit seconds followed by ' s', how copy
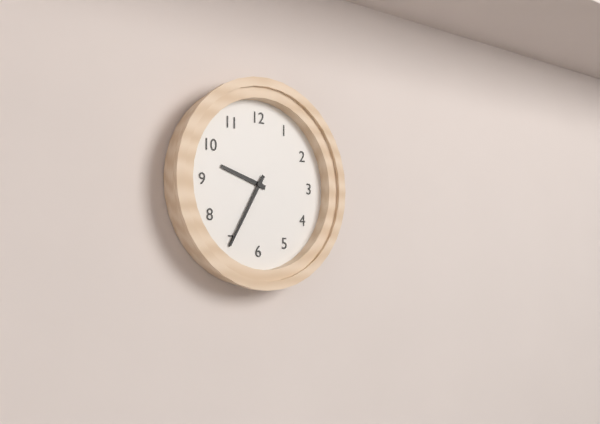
9 h 35 min
